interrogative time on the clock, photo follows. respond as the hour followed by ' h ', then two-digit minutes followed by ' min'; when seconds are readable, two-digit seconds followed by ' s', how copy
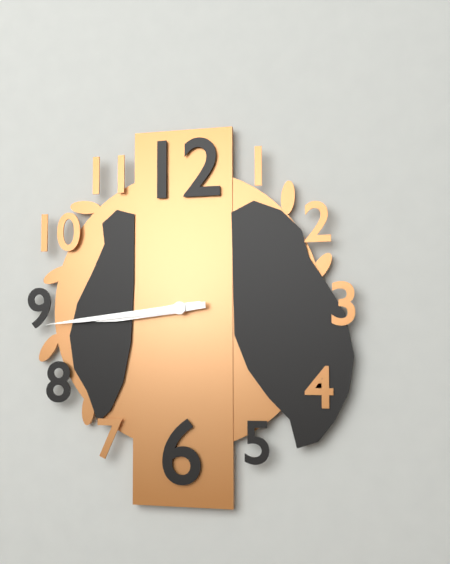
8 h 44 min
